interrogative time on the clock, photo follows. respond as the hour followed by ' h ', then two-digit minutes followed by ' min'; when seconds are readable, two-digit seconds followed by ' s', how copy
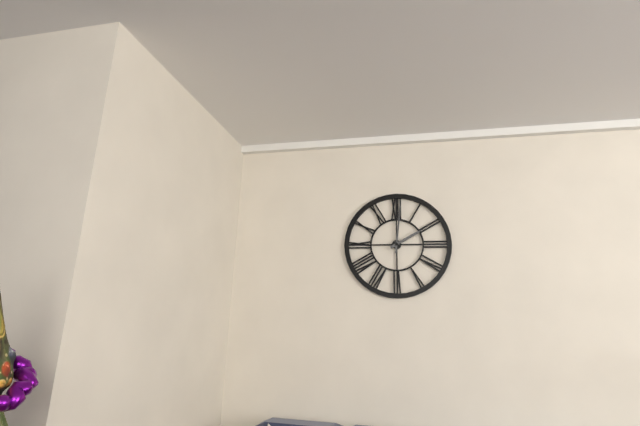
2 h 01 min
